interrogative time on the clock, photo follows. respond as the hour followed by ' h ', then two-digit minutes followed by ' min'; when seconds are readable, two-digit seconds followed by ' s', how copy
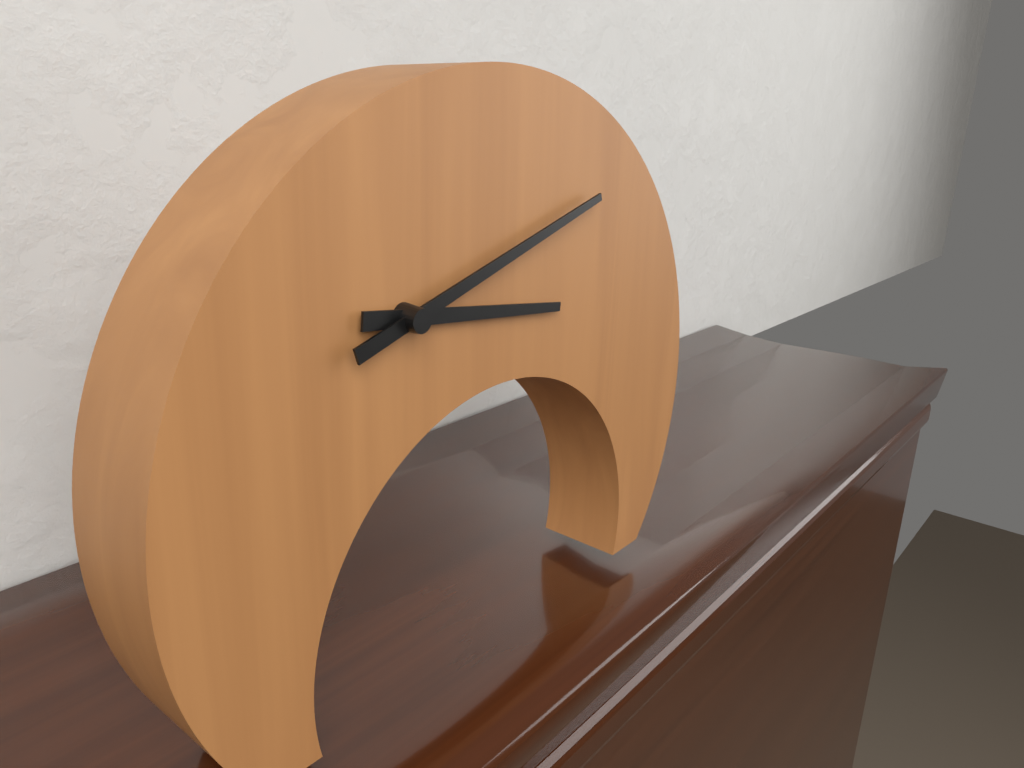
3 h 12 min
